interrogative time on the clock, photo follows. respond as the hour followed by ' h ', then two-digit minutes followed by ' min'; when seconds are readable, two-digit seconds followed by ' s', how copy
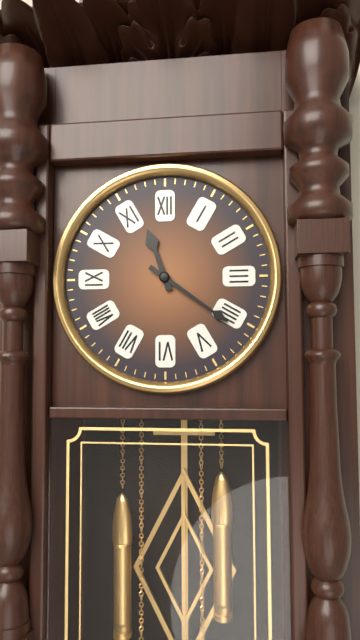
11 h 21 min
